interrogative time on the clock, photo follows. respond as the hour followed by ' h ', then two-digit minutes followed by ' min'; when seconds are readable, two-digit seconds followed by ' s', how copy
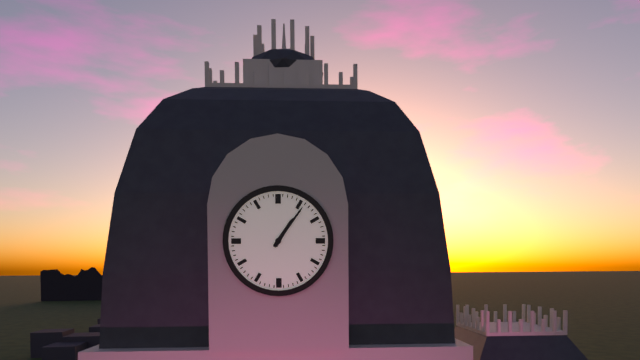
1 h 06 min
